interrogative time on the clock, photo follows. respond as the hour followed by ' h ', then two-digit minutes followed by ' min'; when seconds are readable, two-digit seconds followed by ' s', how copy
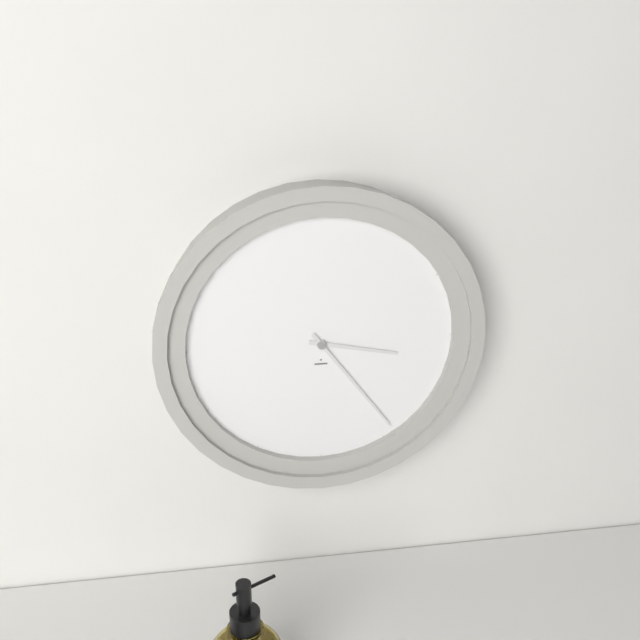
3 h 24 min
